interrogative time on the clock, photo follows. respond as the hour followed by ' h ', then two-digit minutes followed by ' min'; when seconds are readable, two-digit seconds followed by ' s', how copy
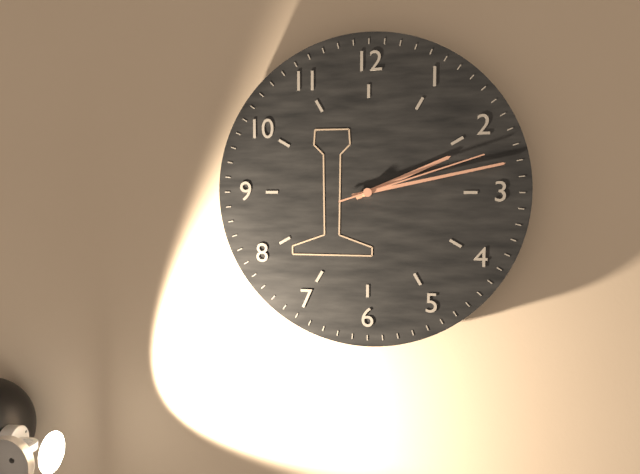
2 h 13 min 12 s
